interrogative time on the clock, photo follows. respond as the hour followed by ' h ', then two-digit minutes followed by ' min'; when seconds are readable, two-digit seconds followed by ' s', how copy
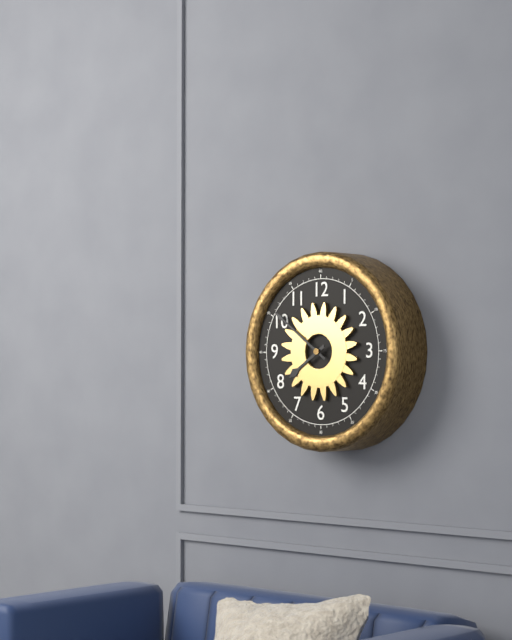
7 h 51 min
